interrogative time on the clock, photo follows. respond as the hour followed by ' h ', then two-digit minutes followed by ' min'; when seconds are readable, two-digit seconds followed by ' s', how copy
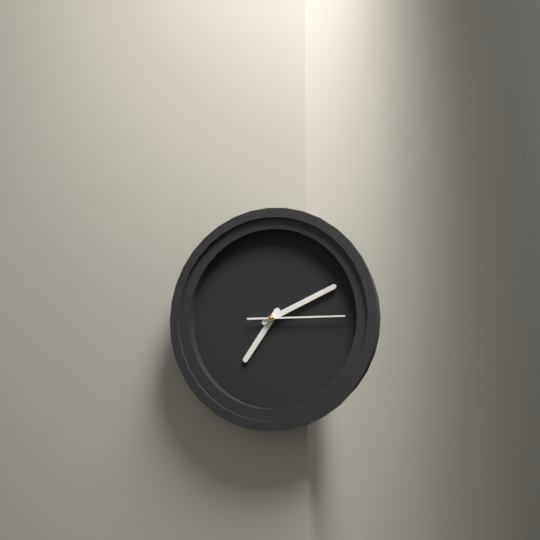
7 h 11 min 15 s
